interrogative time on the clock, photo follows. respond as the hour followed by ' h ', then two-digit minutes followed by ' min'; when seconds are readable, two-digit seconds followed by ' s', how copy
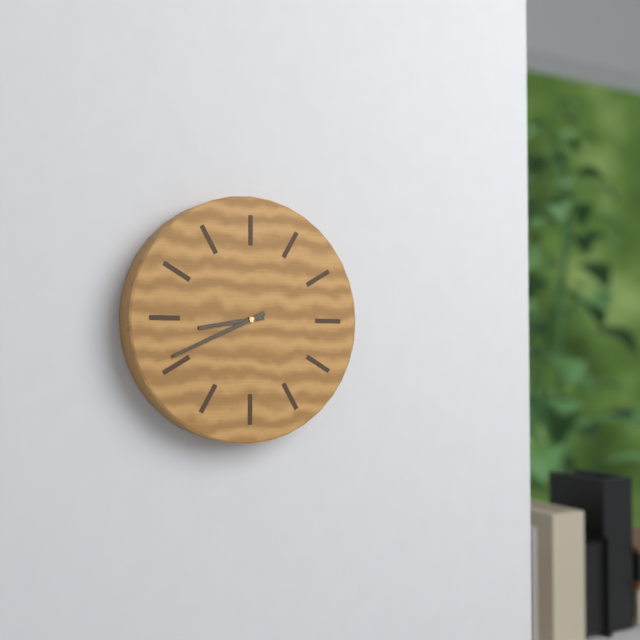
8 h 41 min
